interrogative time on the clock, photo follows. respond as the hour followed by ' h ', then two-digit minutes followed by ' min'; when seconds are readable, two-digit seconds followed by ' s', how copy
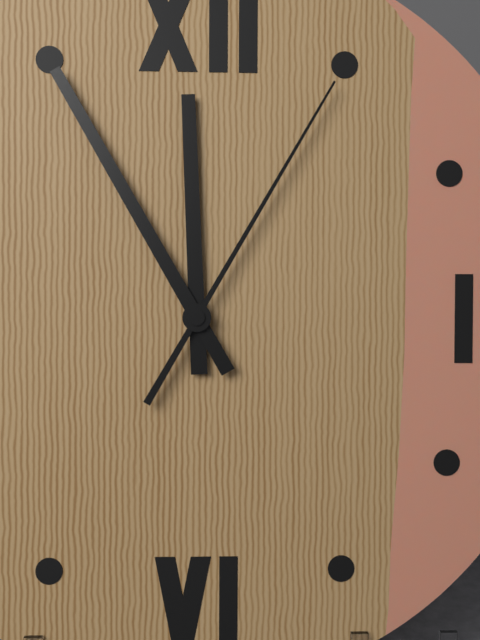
11 h 55 min 05 s
